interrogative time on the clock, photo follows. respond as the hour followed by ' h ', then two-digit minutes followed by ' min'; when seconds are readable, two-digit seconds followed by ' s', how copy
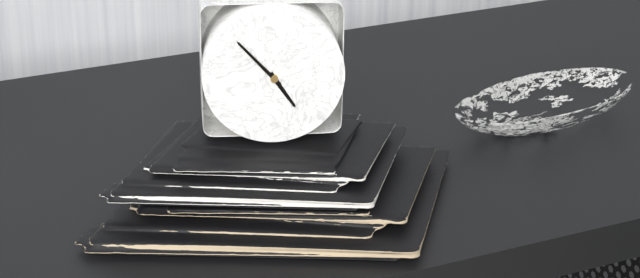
4 h 53 min
